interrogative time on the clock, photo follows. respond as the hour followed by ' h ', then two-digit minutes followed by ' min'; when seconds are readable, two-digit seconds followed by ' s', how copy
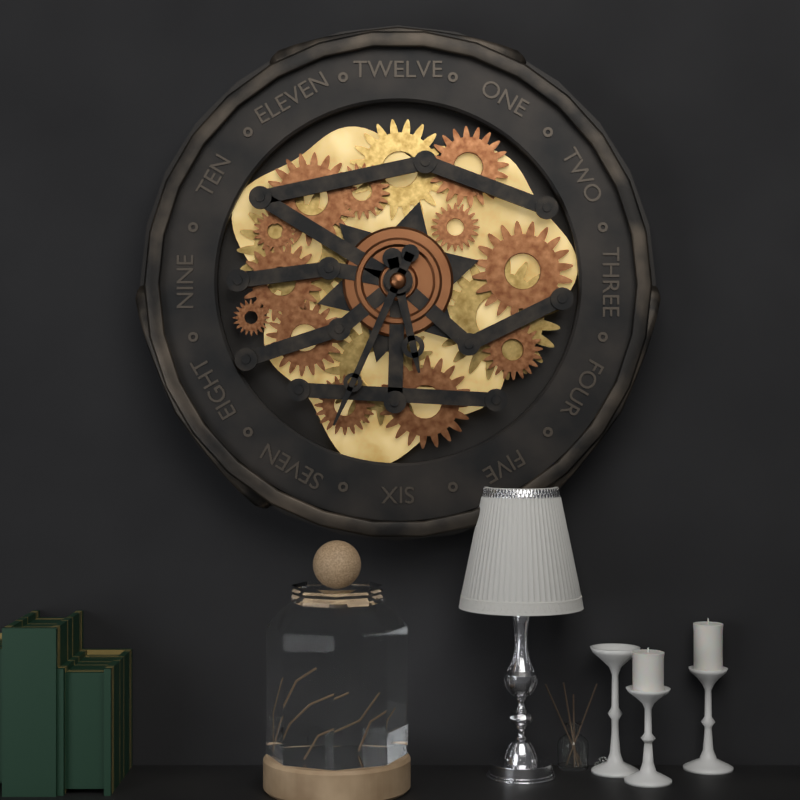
5 h 34 min
